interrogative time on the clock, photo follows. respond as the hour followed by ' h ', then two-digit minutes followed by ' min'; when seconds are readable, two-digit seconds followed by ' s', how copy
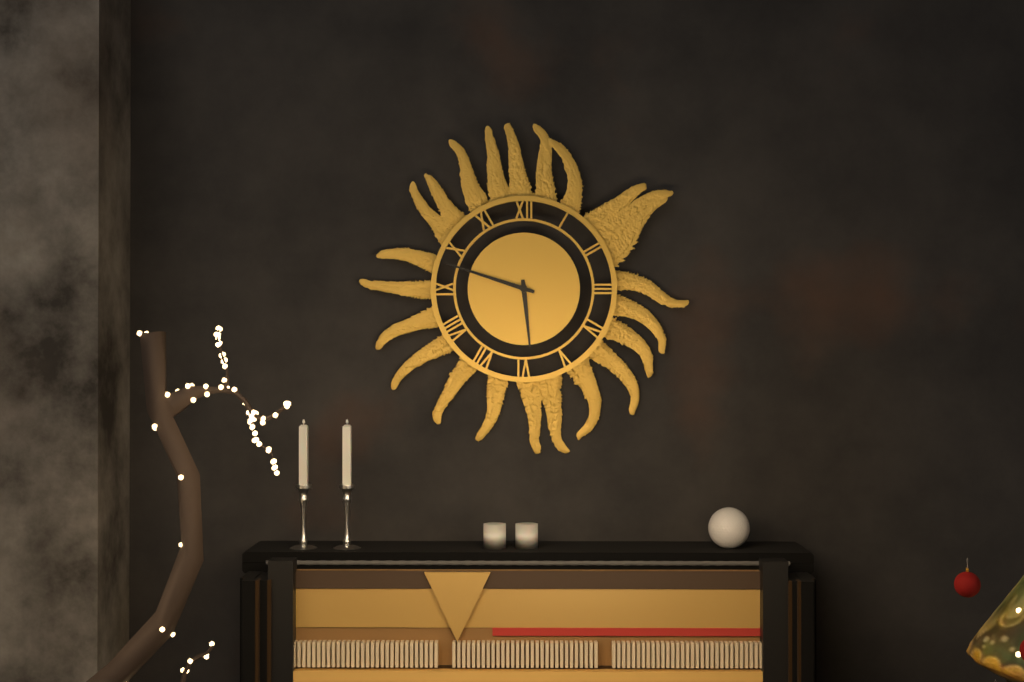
5 h 48 min
